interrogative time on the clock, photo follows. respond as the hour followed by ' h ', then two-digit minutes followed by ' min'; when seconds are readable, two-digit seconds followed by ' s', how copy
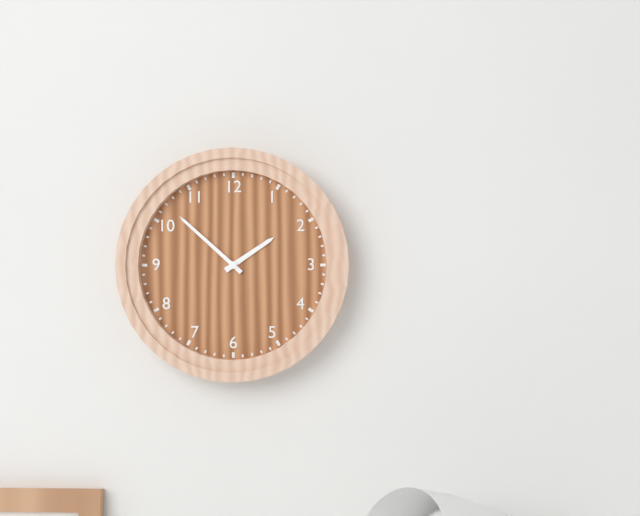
1 h 52 min
